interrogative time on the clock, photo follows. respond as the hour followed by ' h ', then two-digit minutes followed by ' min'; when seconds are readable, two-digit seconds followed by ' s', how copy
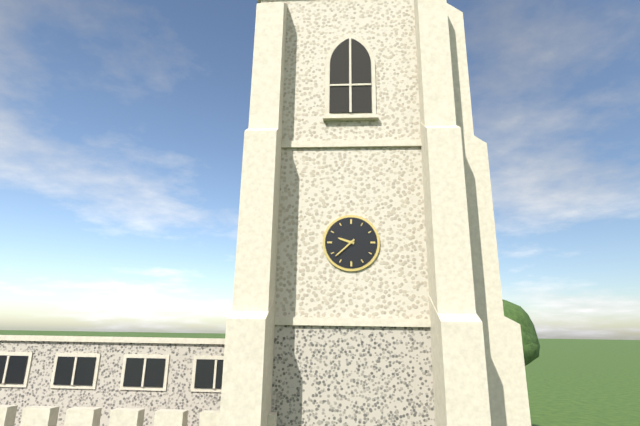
9 h 38 min
